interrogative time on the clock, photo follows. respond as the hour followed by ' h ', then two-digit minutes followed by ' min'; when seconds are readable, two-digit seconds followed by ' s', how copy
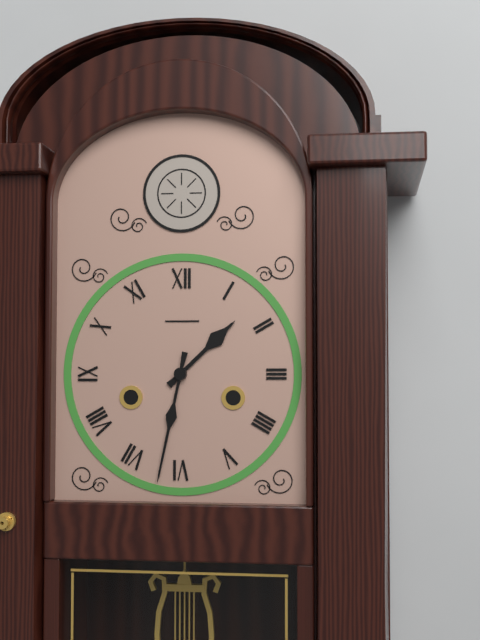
1 h 32 min
